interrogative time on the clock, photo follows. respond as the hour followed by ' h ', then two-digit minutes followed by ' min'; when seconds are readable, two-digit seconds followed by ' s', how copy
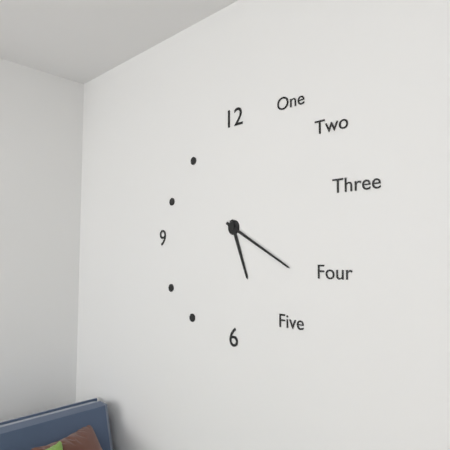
5 h 20 min
